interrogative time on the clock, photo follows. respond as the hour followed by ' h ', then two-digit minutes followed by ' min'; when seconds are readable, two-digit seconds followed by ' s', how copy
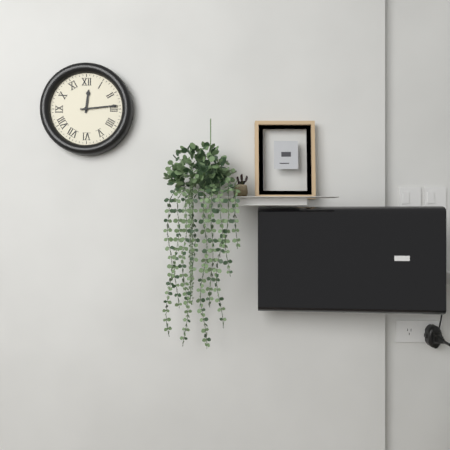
12 h 14 min
